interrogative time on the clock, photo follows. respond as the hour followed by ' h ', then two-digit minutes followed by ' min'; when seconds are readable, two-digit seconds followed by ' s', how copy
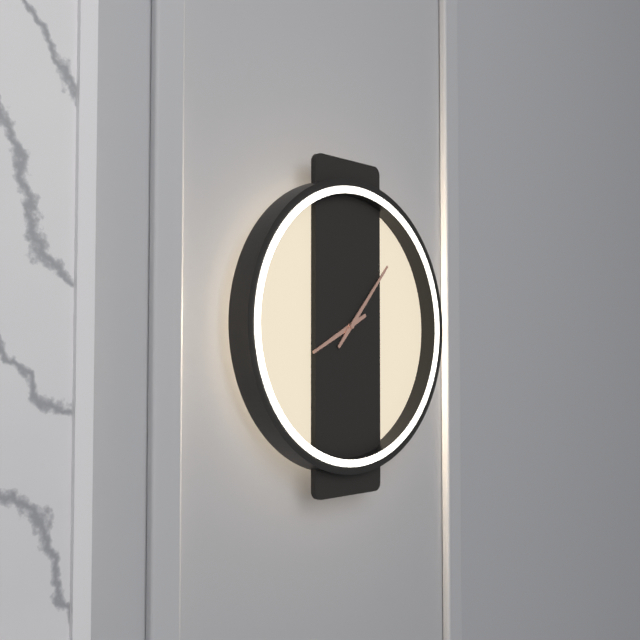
8 h 07 min
